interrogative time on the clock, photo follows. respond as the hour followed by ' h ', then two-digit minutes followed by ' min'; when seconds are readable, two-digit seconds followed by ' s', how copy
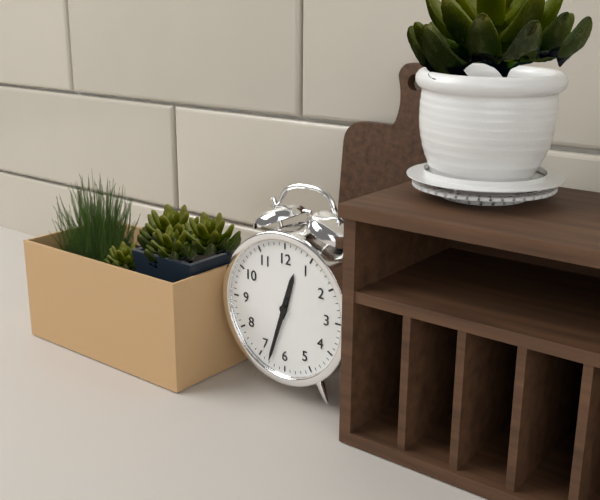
12 h 33 min
